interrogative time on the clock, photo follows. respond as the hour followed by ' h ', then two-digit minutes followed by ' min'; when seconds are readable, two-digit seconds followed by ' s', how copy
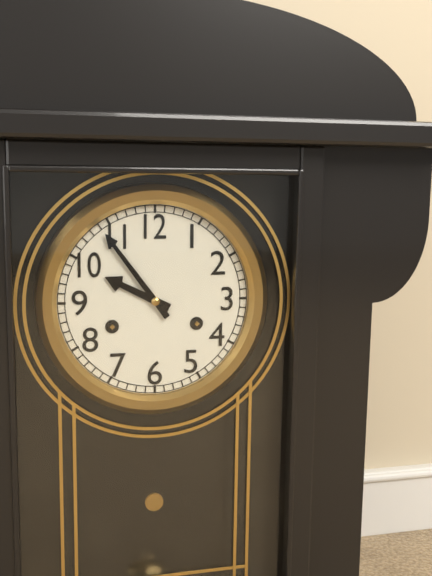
9 h 54 min
